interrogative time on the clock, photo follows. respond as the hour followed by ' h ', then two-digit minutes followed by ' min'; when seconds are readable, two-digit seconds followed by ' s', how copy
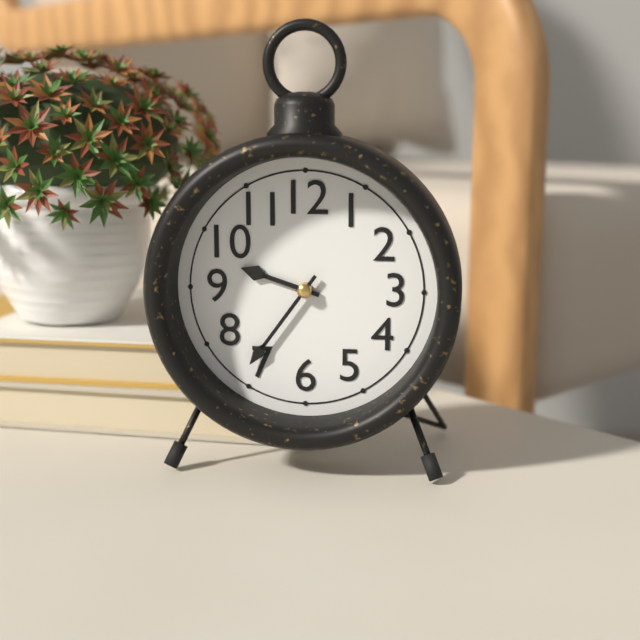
9 h 36 min
